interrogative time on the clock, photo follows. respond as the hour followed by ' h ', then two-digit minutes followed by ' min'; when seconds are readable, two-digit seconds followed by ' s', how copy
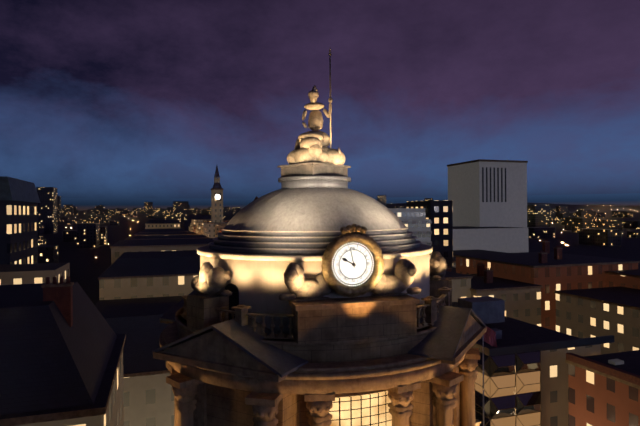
9 h 58 min
